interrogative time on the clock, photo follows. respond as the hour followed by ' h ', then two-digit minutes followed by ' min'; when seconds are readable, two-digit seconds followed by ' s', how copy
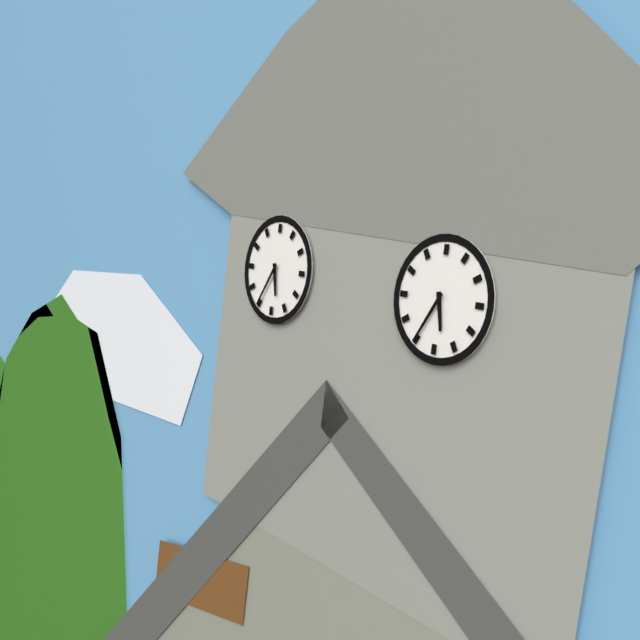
5 h 35 min
